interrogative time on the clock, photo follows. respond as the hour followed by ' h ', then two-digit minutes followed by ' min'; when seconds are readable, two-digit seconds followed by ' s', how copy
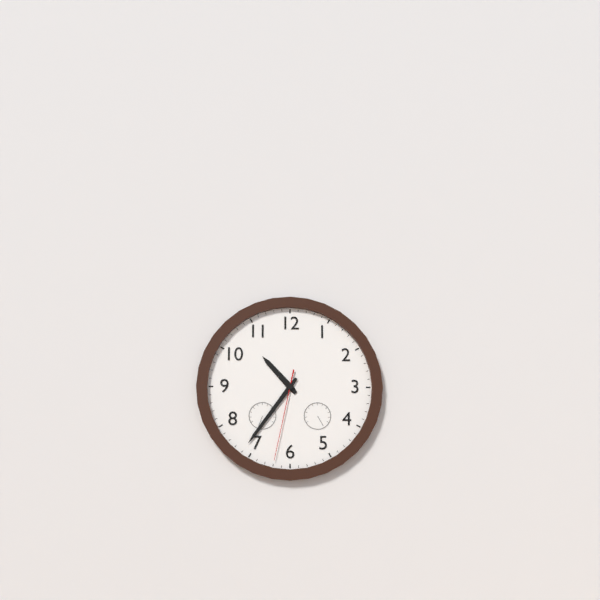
10 h 36 min 32 s
